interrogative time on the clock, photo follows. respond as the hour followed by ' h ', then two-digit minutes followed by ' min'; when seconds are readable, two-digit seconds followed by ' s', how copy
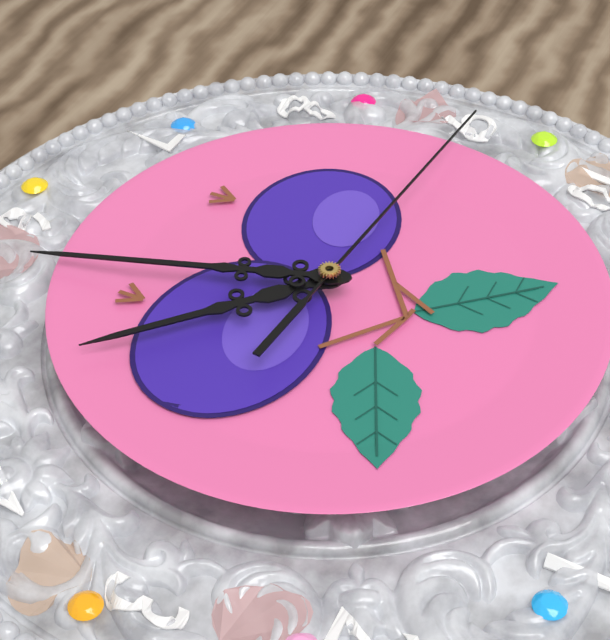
4 h 27 min 46 s
